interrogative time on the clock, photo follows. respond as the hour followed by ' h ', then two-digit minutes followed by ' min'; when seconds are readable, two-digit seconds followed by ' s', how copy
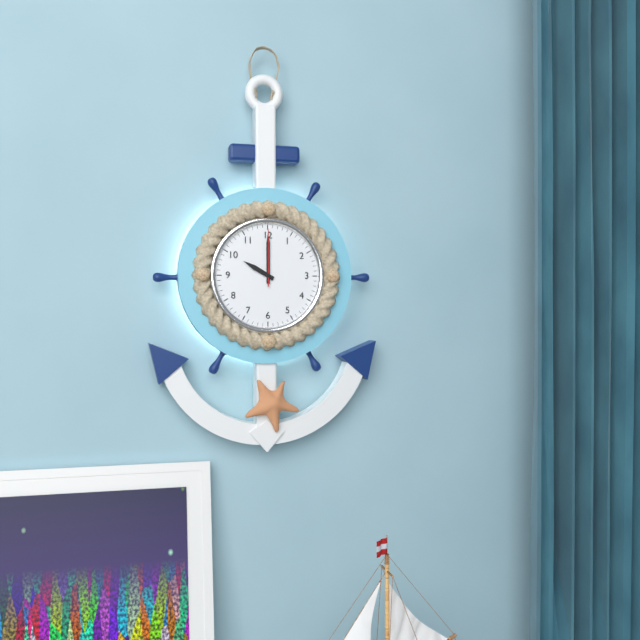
10 h 00 min 00 s
